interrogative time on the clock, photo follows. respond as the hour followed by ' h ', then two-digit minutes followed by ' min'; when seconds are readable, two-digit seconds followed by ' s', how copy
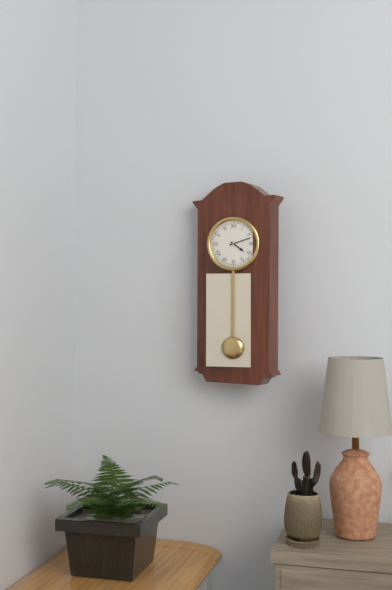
4 h 12 min
